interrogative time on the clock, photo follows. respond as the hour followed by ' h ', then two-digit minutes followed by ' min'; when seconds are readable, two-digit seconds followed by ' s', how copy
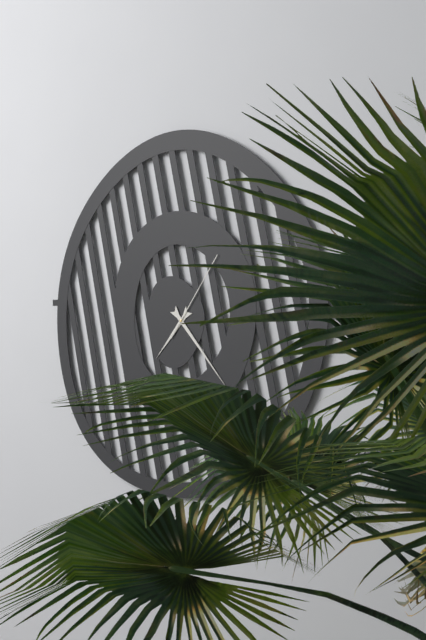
7 h 23 min 06 s
